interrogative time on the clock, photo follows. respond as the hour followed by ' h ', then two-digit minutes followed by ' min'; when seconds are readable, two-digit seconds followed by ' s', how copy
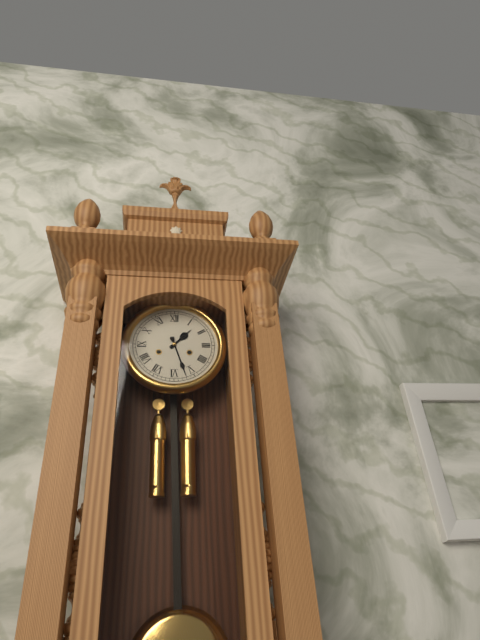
1 h 27 min
